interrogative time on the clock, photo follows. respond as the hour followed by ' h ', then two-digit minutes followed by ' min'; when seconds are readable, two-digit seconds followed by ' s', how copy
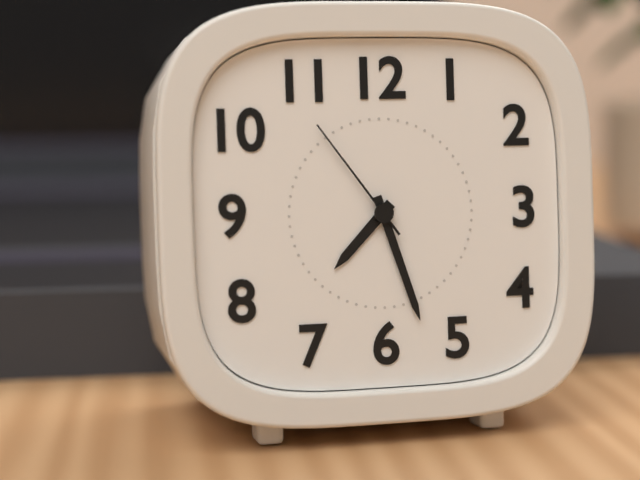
7 h 27 min 54 s
